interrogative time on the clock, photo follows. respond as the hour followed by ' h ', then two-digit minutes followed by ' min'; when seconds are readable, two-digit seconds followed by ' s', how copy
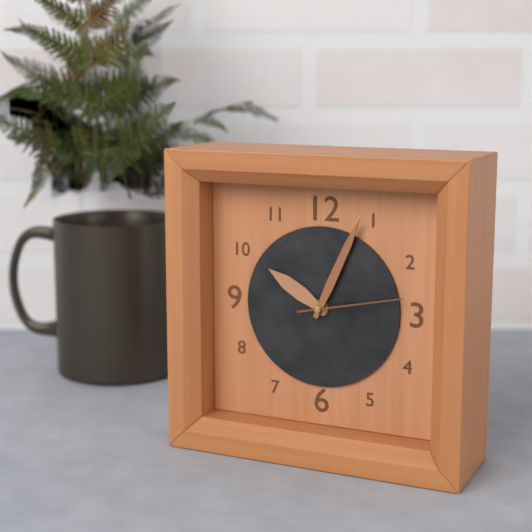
10 h 04 min 13 s
